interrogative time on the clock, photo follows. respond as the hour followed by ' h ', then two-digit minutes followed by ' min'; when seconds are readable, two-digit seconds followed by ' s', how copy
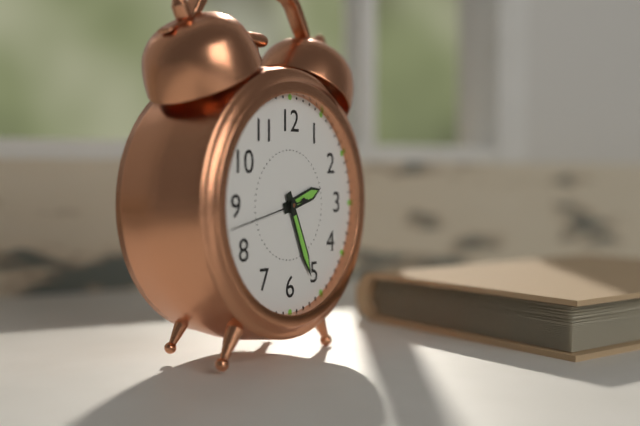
2 h 26 min 43 s
